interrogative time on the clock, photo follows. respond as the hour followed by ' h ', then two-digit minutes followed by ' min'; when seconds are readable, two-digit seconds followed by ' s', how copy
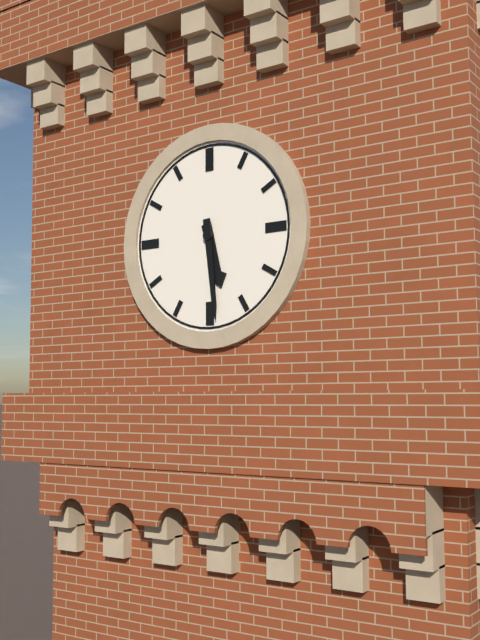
5 h 29 min
